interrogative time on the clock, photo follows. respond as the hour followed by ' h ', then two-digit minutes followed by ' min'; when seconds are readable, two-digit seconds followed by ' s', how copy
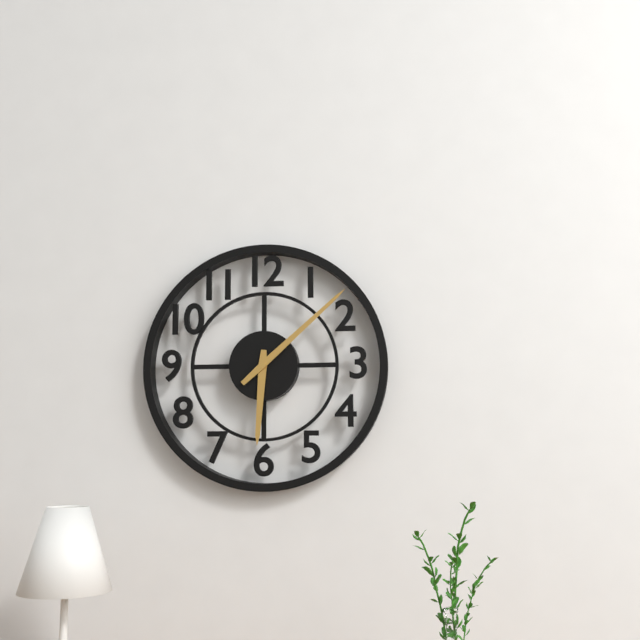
6 h 08 min
